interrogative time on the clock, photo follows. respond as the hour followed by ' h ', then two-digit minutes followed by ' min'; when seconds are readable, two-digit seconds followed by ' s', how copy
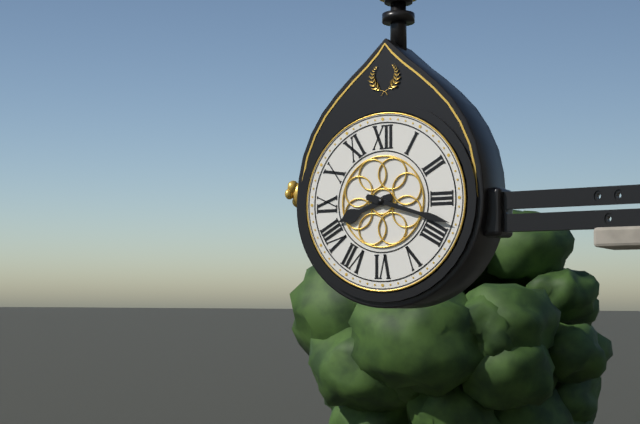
8 h 18 min
